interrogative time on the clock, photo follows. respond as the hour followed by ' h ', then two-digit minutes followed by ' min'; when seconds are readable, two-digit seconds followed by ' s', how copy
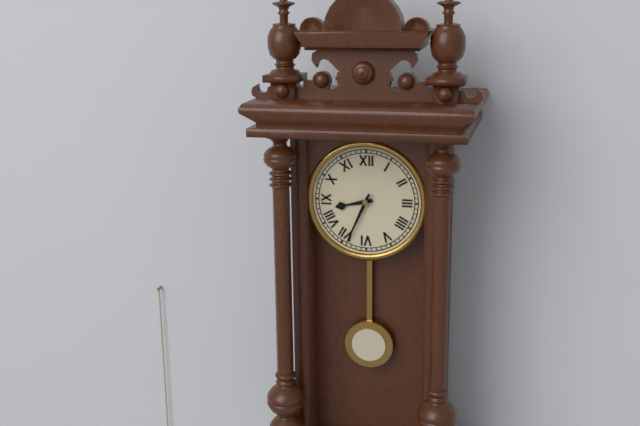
8 h 34 min
